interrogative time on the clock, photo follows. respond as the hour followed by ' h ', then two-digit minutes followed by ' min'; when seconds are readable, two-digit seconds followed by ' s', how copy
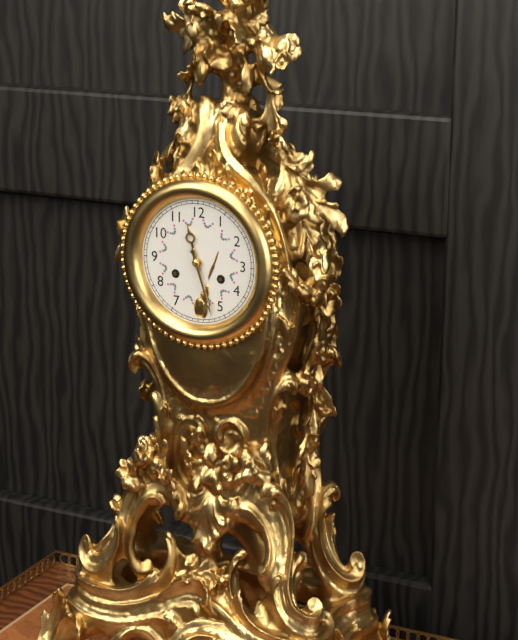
11 h 27 min
